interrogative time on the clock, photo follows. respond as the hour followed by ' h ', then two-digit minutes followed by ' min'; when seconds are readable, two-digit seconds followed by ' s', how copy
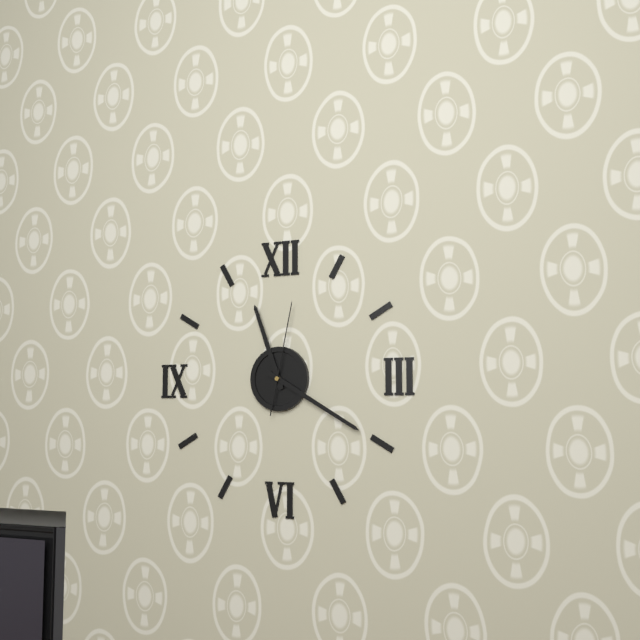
11 h 20 min 02 s
